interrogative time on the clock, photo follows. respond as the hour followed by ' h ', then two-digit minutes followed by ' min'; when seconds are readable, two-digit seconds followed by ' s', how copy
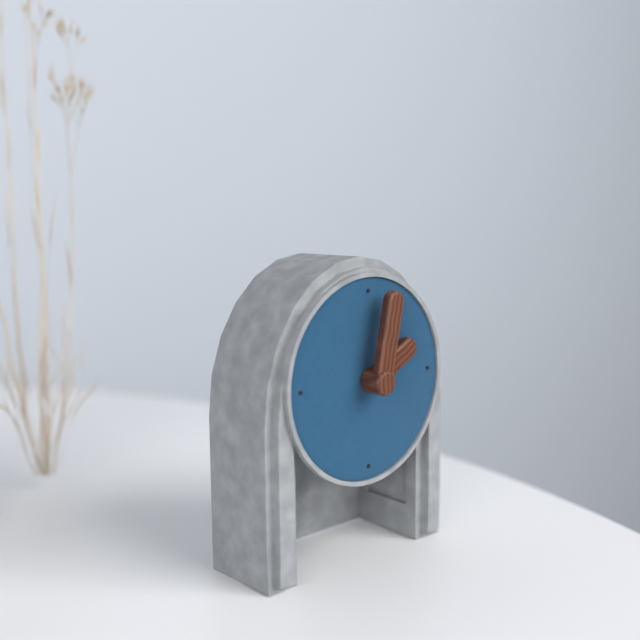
2 h 02 min
